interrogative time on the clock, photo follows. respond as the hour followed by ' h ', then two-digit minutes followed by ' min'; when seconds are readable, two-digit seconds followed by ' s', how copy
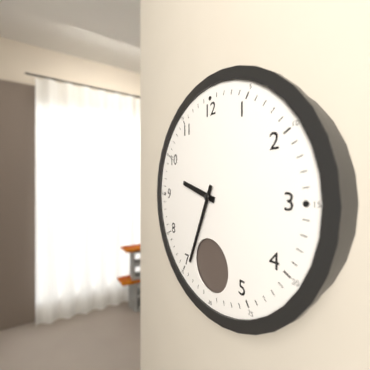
9 h 34 min
